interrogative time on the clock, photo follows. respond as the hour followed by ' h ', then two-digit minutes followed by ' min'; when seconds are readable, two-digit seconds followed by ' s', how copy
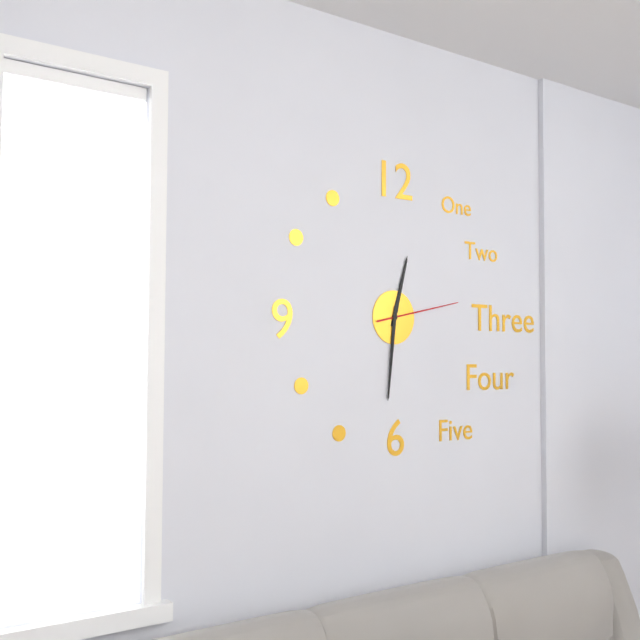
12 h 31 min 13 s
